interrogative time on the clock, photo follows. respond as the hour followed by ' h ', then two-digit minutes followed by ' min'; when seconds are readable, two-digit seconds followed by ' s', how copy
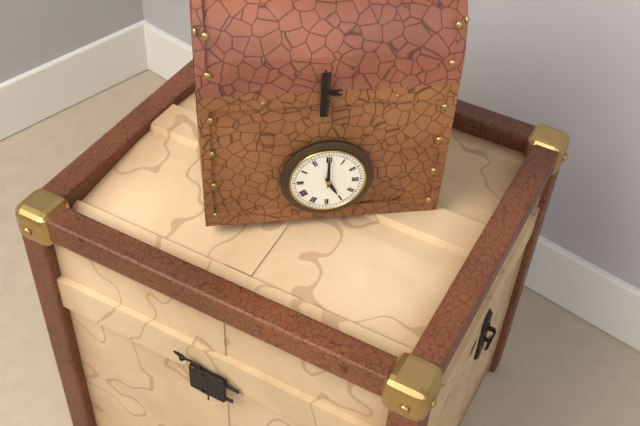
5 h 00 min
